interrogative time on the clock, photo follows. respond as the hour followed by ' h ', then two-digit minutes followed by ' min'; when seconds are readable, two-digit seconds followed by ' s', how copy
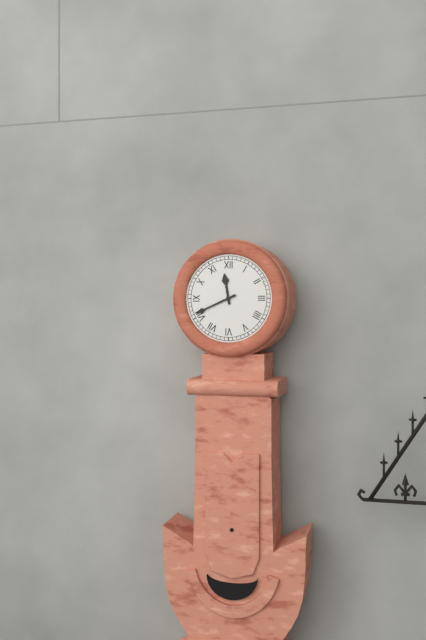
11 h 41 min
